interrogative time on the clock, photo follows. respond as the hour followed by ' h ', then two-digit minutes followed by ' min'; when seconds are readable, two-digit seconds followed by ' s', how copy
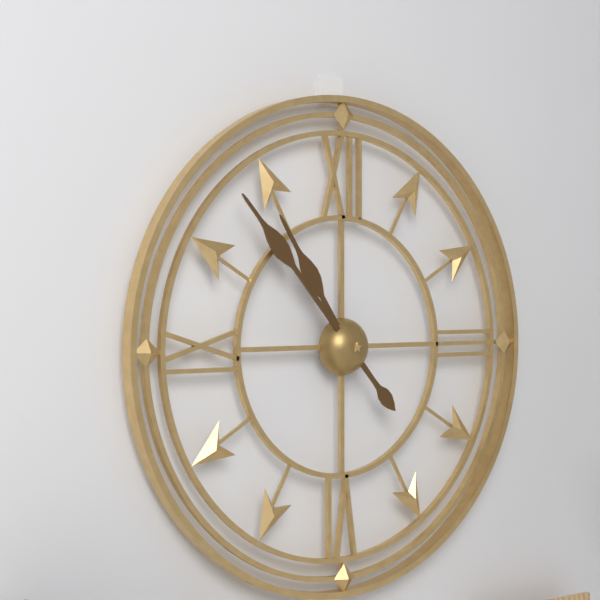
10 h 53 min
